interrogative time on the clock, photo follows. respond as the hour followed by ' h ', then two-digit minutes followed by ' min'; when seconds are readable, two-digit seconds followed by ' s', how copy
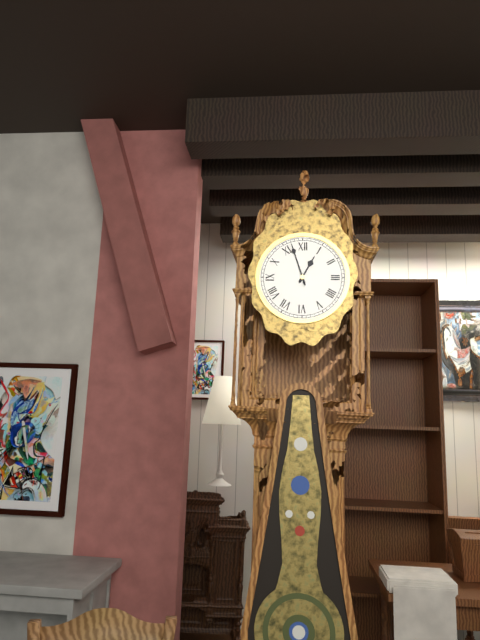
12 h 57 min
